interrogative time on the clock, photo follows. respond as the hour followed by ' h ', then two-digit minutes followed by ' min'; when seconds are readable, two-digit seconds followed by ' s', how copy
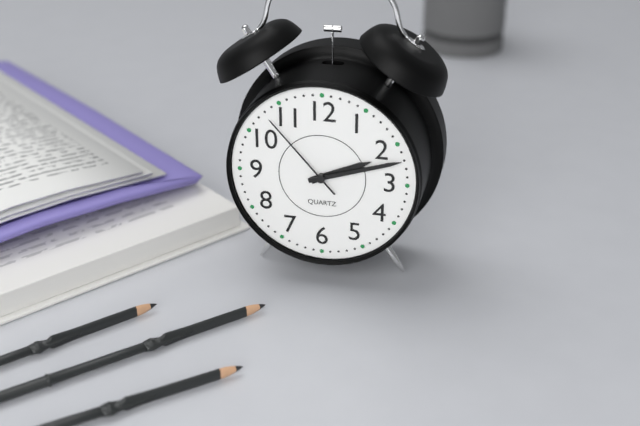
2 h 12 min 53 s
